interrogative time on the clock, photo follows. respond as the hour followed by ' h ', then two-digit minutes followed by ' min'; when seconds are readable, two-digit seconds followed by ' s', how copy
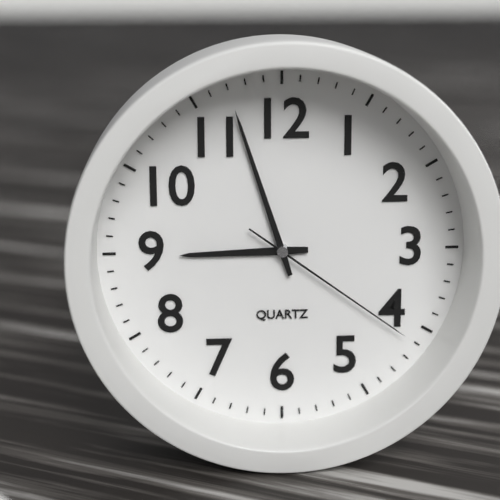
8 h 57 min 21 s
